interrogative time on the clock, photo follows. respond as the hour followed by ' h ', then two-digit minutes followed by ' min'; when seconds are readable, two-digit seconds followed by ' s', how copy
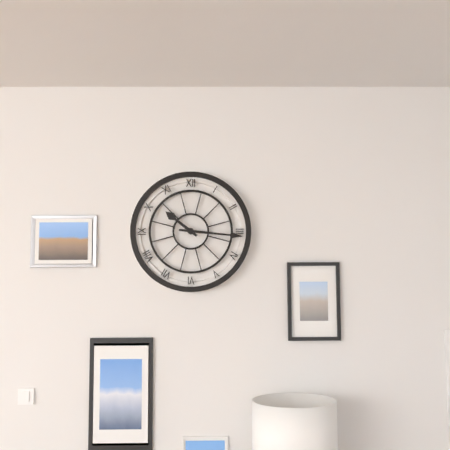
10 h 16 min
